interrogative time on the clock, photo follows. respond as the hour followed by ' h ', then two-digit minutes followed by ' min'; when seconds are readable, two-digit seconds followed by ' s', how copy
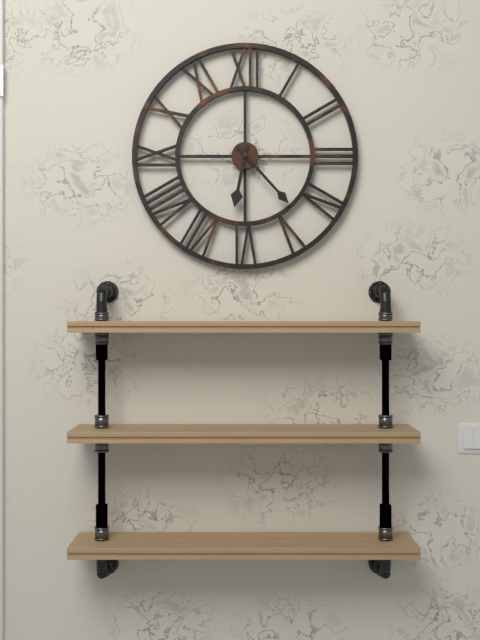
6 h 23 min
